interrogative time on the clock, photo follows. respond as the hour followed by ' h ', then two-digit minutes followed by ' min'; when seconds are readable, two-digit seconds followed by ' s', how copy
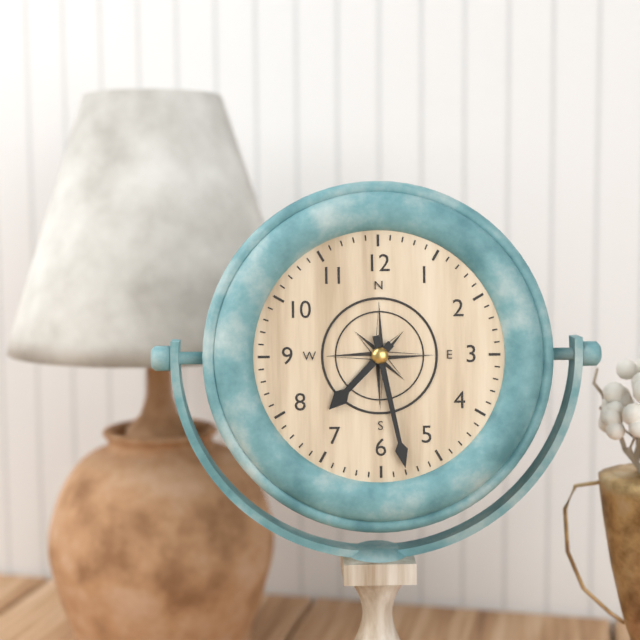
7 h 28 min
